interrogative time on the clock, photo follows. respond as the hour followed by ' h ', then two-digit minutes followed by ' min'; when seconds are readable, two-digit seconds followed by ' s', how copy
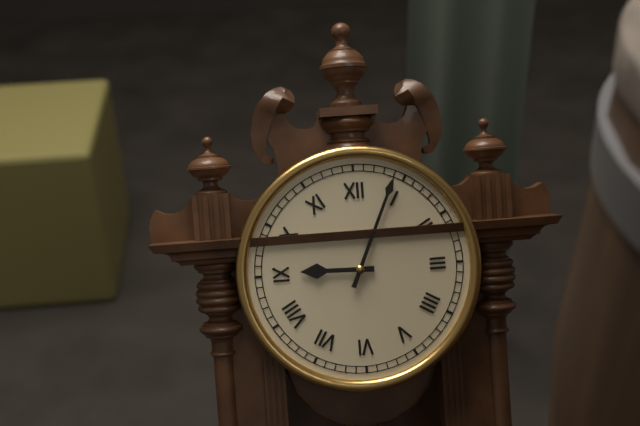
9 h 04 min
